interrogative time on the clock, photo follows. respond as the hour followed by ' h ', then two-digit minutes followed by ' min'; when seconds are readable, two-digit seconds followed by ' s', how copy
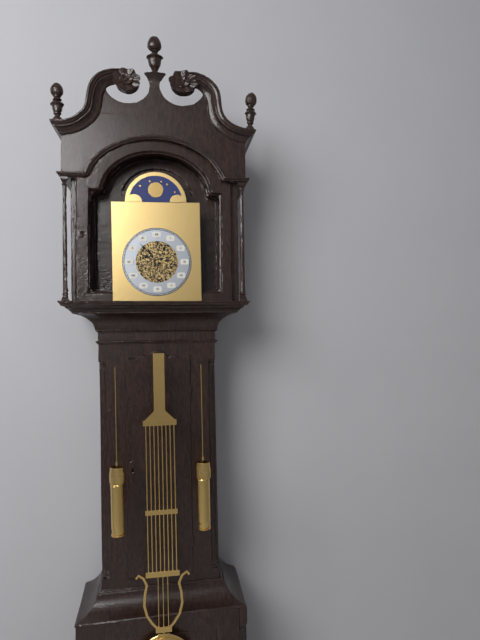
9 h 53 min
